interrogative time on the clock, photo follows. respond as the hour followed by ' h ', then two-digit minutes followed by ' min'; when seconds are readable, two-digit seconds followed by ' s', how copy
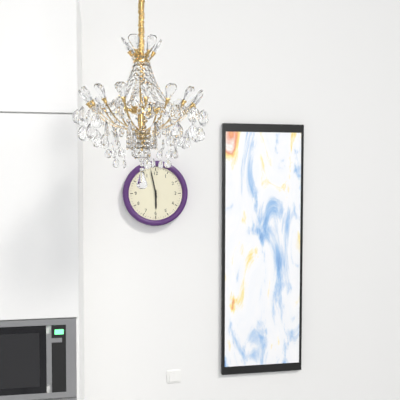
5 h 58 min
